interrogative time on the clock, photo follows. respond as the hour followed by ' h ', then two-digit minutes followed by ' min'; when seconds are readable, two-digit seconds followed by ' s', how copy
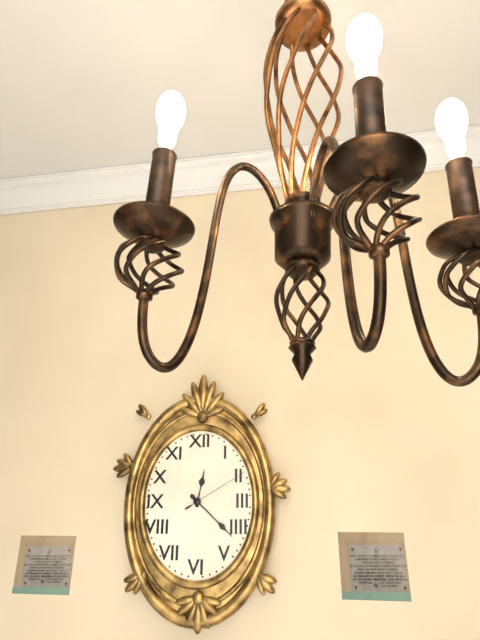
12 h 22 min 10 s
